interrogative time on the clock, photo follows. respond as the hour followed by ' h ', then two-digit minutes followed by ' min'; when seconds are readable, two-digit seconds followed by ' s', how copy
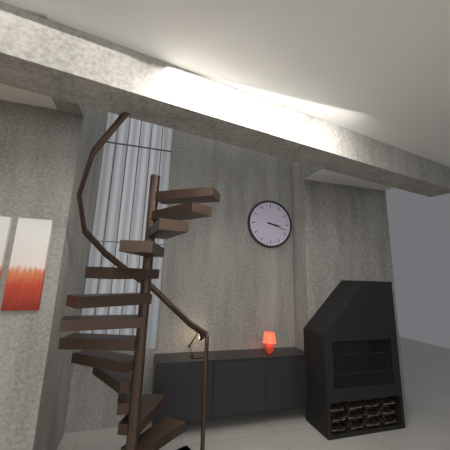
3 h 18 min
